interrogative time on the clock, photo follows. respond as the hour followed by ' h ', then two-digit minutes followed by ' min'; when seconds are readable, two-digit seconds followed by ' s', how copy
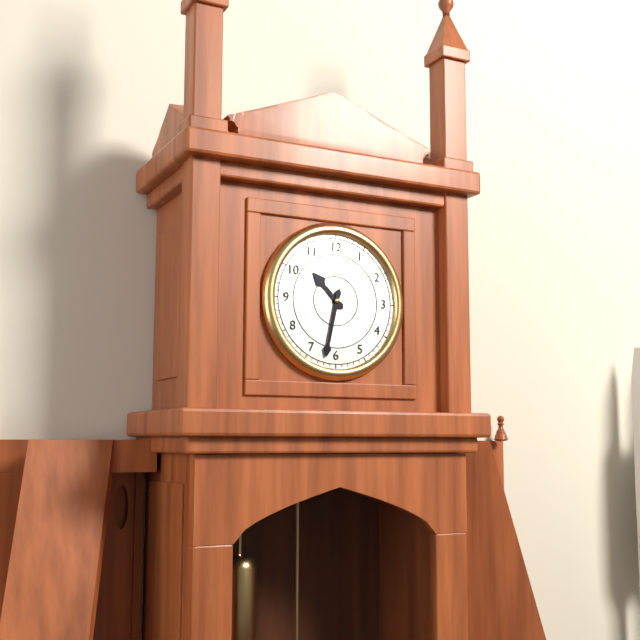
10 h 32 min
